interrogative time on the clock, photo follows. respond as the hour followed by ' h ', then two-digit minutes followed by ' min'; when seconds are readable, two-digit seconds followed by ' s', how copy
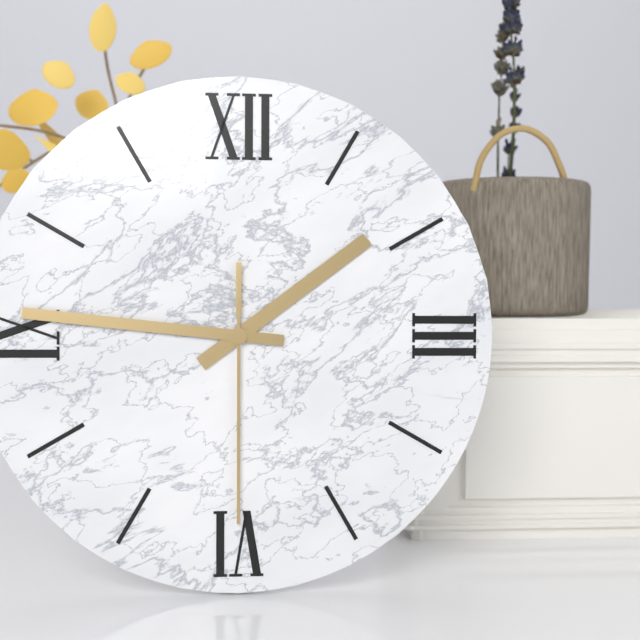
1 h 46 min 30 s
